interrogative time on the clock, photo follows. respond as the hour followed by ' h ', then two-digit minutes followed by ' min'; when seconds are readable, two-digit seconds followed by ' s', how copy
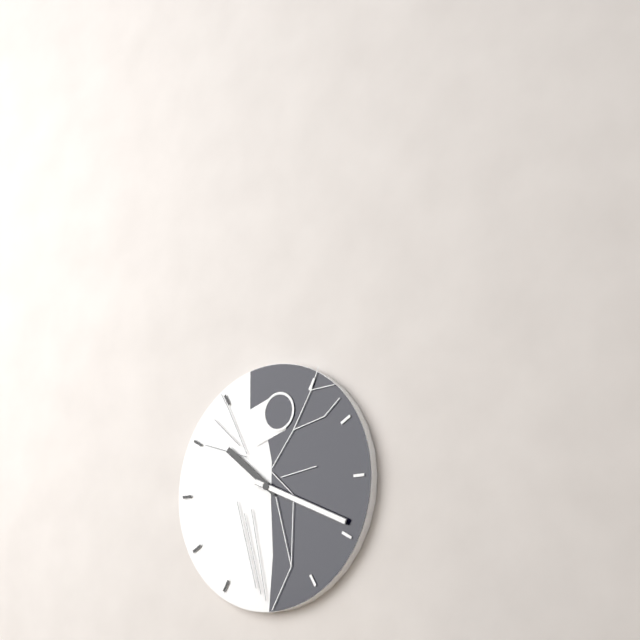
10 h 19 min
